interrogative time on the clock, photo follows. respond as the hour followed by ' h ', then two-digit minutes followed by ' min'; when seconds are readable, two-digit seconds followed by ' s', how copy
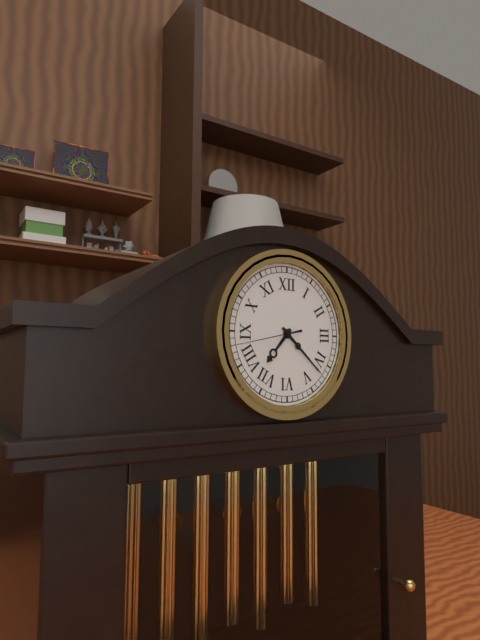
7 h 22 min 43 s
